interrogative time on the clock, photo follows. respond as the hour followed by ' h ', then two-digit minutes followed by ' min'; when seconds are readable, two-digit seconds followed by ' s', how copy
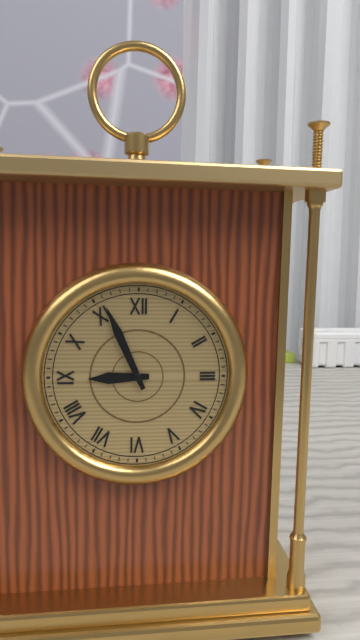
8 h 56 min
